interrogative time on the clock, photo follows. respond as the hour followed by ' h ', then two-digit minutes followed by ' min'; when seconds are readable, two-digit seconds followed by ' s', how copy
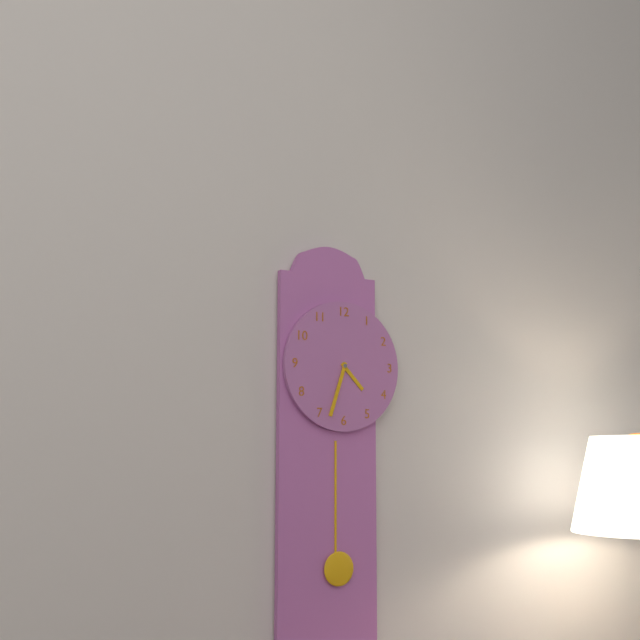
4 h 33 min
